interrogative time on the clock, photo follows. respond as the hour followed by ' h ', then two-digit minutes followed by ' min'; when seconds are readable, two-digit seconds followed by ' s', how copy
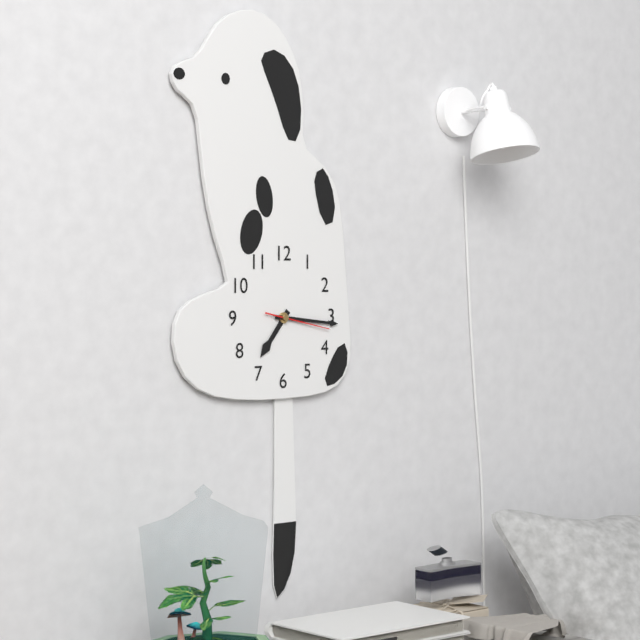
7 h 16 min 17 s
